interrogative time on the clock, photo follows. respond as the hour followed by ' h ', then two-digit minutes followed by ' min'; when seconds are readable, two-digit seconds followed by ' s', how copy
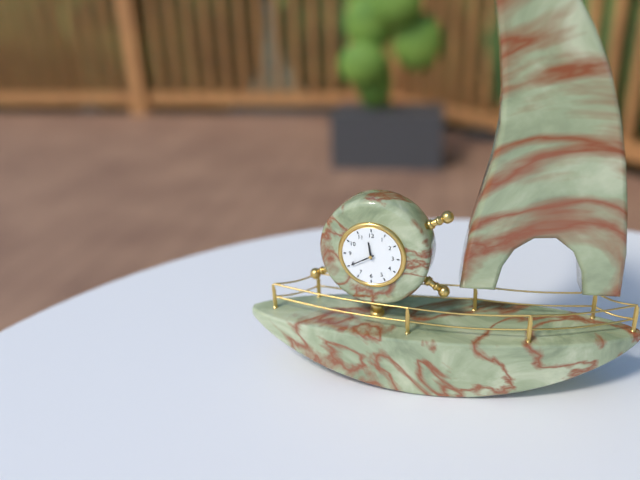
11 h 40 min
